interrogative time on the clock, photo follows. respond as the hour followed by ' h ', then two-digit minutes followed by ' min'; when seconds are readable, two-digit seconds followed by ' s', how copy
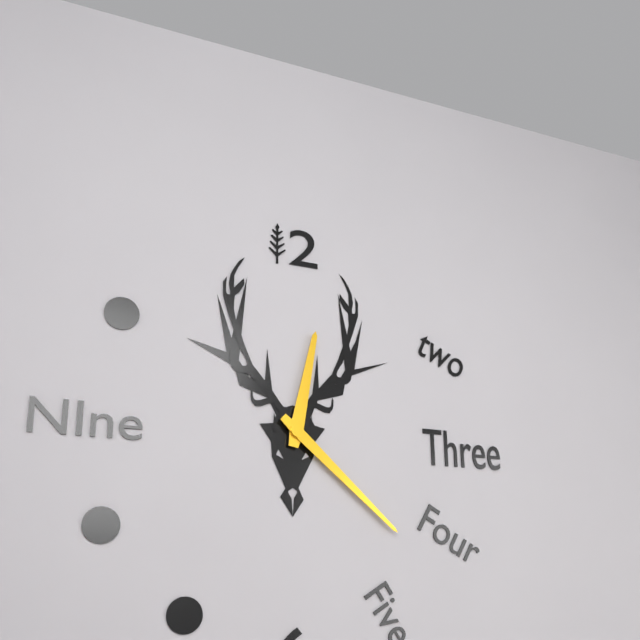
12 h 22 min
